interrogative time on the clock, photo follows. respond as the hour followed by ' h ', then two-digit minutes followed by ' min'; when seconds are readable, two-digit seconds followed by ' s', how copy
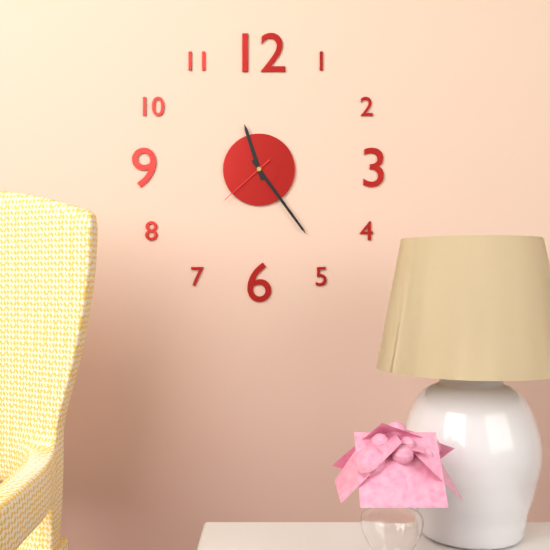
11 h 24 min 38 s
